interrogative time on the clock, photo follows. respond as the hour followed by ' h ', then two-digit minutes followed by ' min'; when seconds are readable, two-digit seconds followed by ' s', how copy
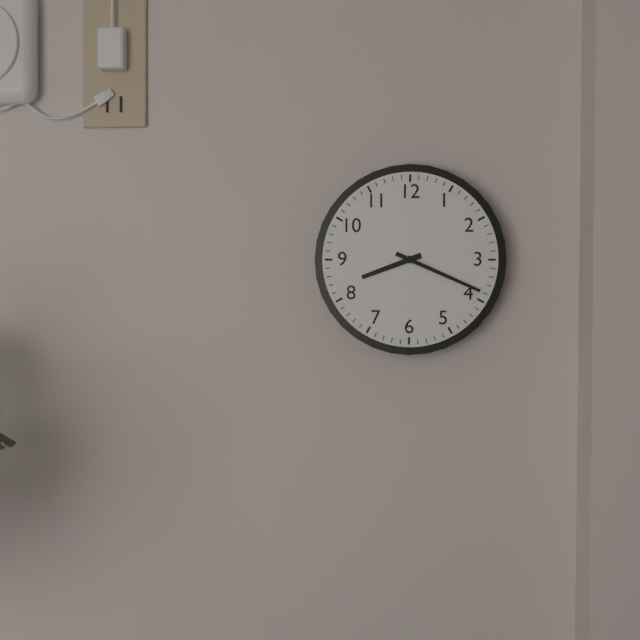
8 h 19 min
